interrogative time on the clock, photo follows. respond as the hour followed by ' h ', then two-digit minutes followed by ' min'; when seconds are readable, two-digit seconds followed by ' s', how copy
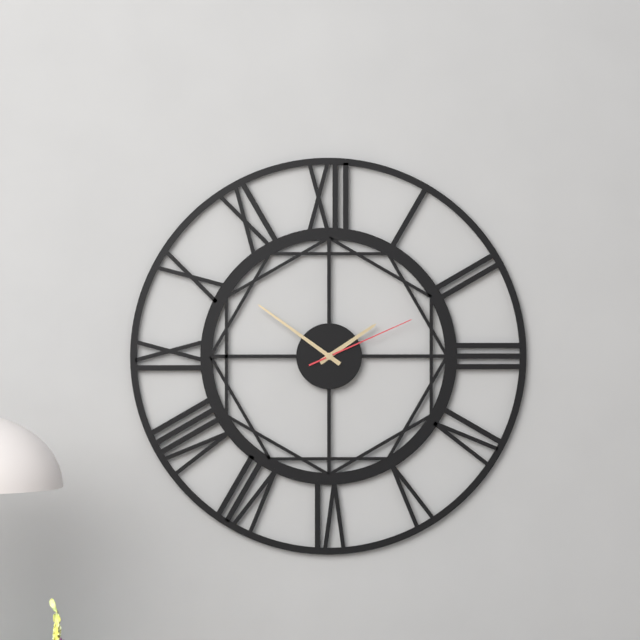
1 h 51 min 11 s
